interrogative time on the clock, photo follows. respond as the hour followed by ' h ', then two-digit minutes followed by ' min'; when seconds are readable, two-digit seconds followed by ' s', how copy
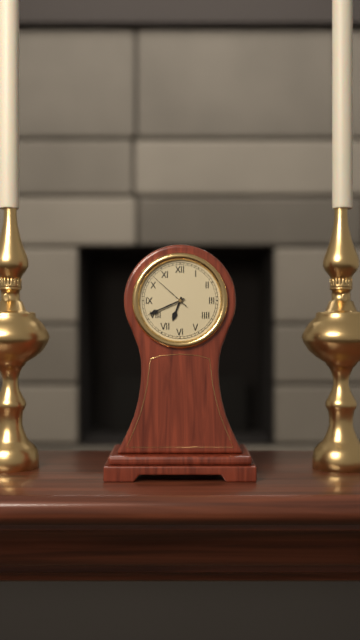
6 h 41 min
